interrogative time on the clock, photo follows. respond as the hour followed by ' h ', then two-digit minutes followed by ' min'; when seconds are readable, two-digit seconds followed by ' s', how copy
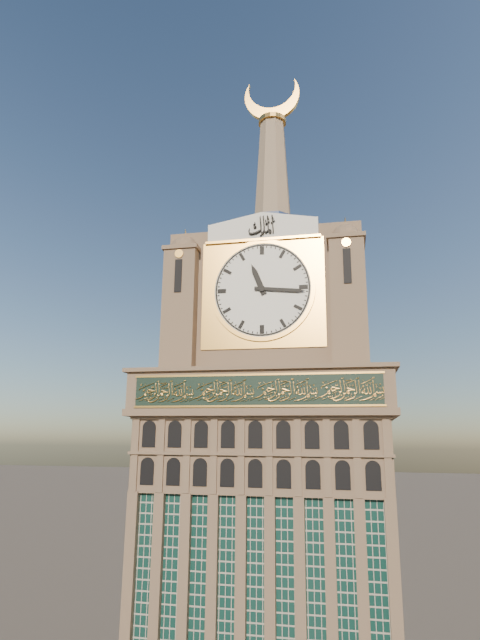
11 h 16 min
